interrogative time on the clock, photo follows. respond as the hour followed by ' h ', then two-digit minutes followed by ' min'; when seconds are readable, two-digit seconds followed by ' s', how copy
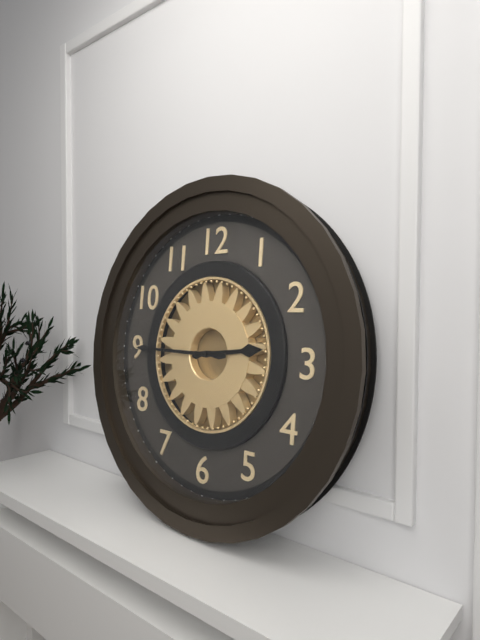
2 h 45 min
